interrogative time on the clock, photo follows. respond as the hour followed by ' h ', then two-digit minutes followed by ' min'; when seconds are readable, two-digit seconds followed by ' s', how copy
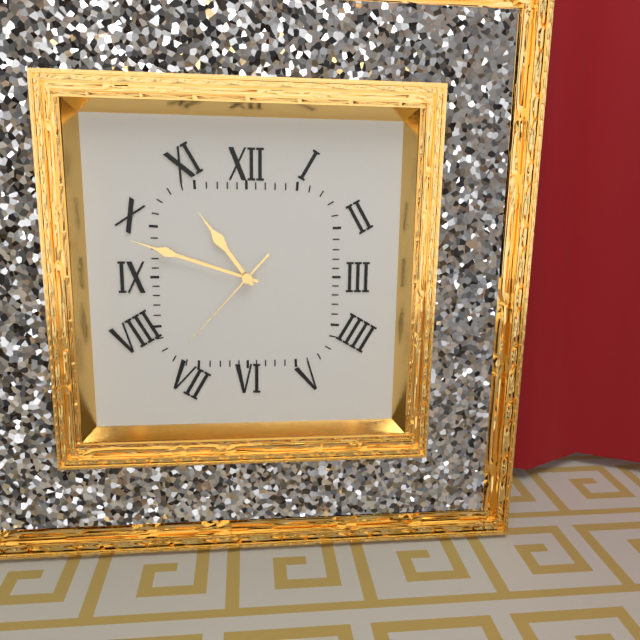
10 h 48 min 37 s
